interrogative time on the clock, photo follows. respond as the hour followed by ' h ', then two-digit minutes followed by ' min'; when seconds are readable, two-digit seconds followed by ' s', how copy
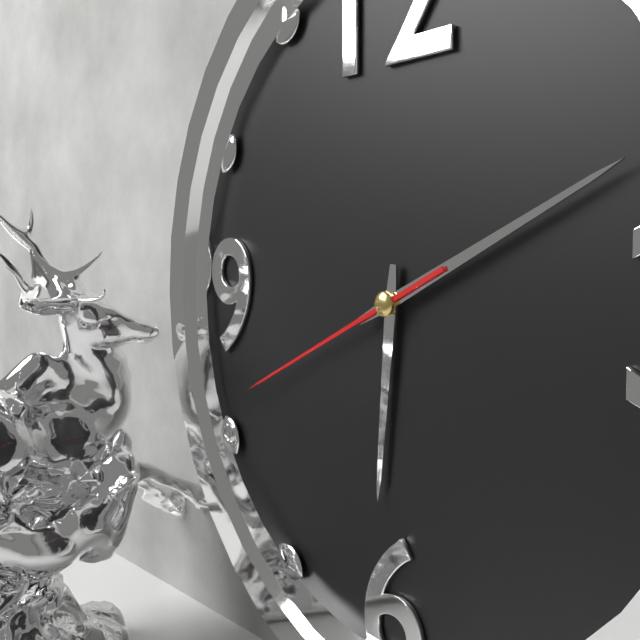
6 h 11 min 41 s
